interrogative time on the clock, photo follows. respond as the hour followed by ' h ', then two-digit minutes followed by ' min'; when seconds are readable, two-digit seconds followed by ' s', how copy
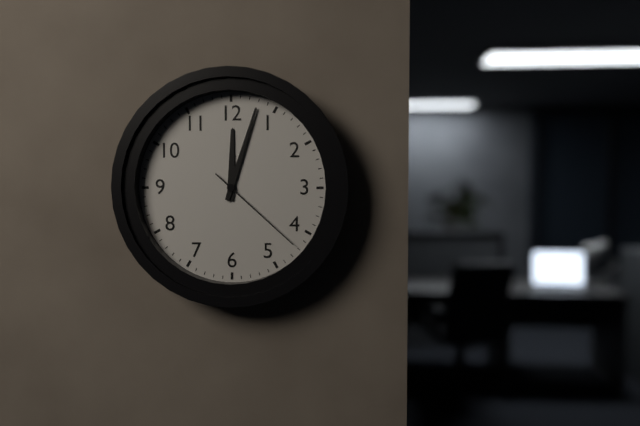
12 h 03 min 22 s
